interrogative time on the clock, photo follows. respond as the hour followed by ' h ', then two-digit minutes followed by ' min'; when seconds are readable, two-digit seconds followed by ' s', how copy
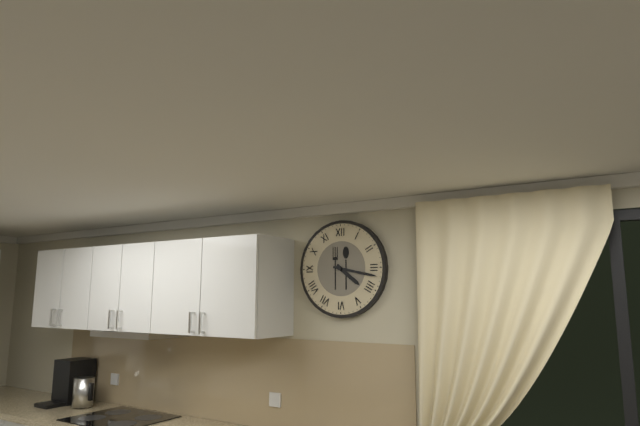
4 h 17 min
